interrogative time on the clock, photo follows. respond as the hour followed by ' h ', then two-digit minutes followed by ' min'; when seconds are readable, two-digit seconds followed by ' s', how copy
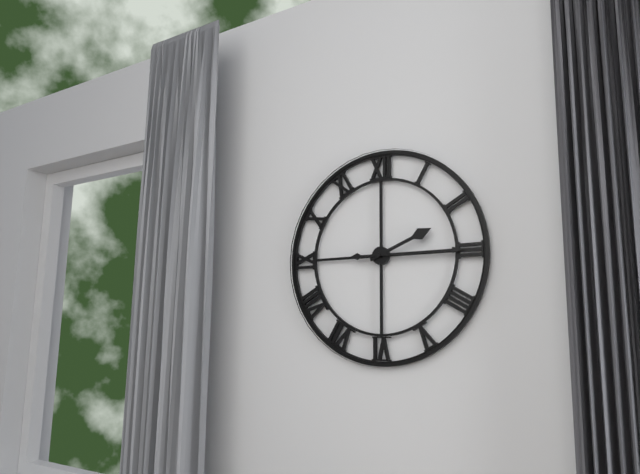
2 h 15 min
